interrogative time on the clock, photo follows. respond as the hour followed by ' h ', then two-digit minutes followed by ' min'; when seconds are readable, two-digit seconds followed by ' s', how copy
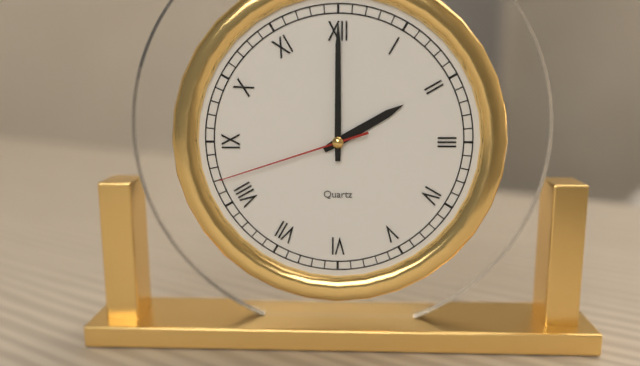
2 h 00 min 42 s
